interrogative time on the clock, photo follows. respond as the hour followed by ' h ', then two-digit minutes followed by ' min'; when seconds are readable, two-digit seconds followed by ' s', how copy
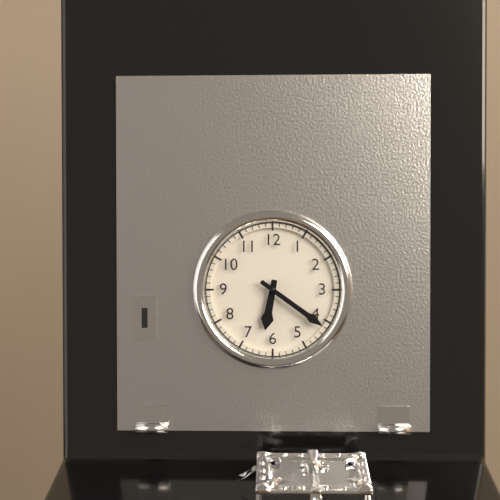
6 h 21 min
